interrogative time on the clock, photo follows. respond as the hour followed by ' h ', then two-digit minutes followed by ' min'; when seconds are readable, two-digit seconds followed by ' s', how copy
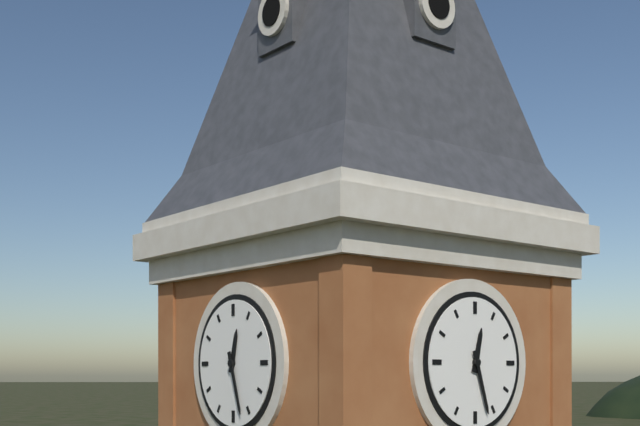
12 h 27 min
